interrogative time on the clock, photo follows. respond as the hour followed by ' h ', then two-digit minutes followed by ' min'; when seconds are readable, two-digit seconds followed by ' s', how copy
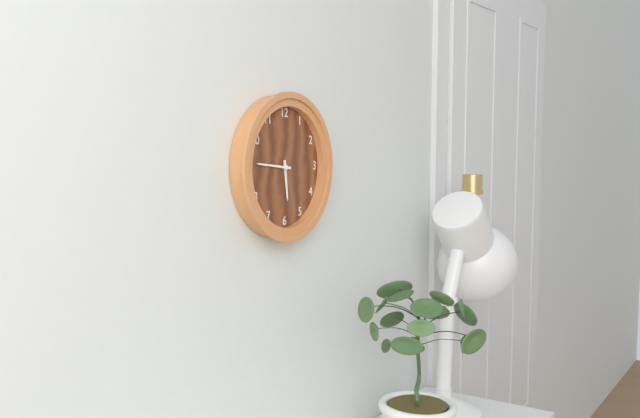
5 h 46 min
